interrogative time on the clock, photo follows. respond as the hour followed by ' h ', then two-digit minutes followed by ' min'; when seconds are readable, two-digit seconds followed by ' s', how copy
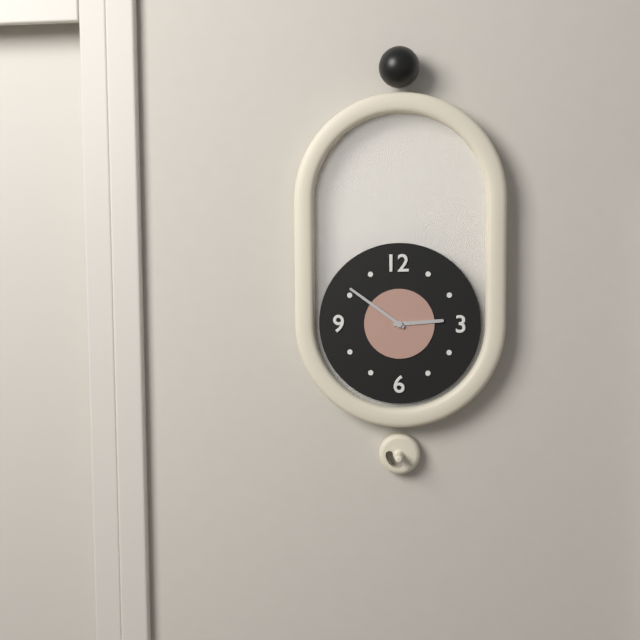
2 h 51 min
